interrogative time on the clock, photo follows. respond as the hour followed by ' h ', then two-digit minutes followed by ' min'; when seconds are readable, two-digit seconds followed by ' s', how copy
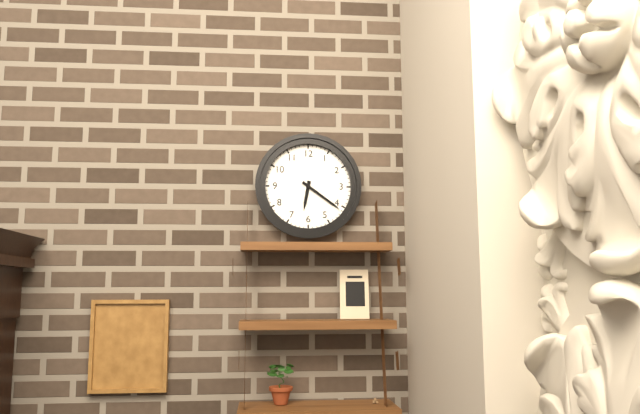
6 h 21 min
